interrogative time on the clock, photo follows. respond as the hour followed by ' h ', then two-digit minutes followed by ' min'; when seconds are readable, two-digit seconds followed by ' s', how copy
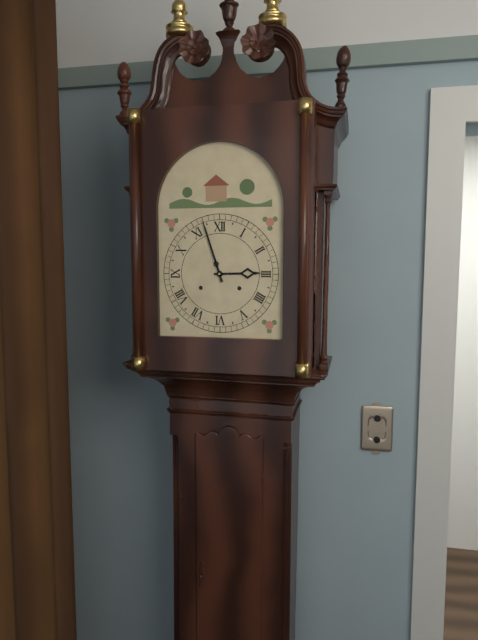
2 h 57 min
